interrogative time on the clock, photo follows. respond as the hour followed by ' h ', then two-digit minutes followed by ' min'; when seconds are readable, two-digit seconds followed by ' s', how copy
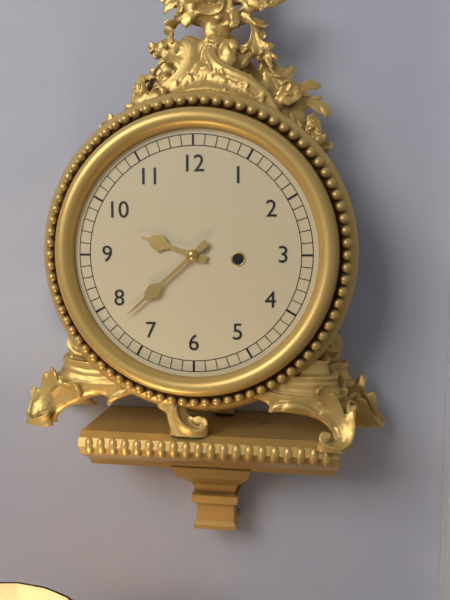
9 h 38 min
